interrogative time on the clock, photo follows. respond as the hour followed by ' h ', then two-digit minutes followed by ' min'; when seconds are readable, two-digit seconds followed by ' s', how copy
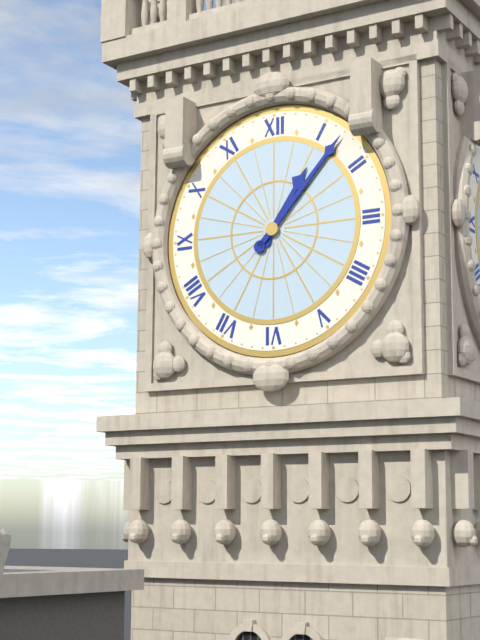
1 h 07 min
